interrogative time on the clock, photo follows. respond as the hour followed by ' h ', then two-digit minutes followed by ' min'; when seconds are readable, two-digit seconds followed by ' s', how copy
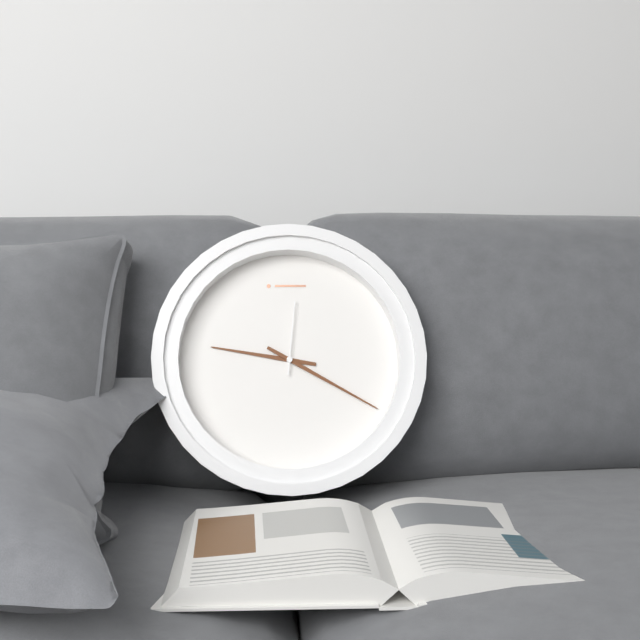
9 h 20 min 01 s
